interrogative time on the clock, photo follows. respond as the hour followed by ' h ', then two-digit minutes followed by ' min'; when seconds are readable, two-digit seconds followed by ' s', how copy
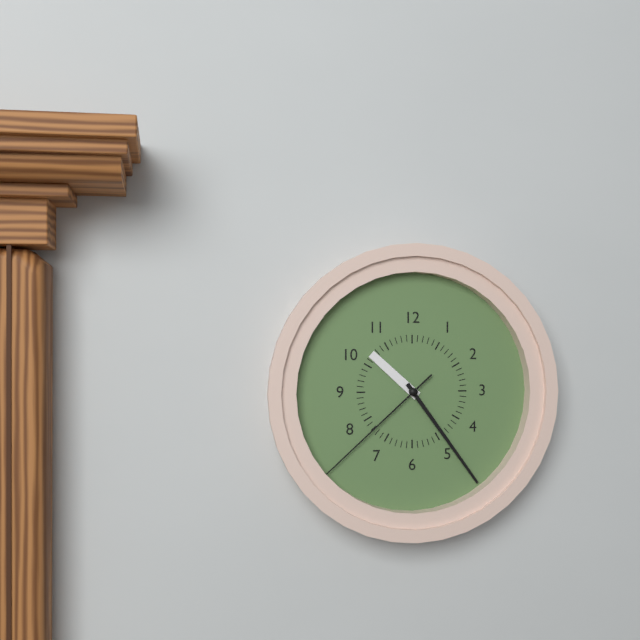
10 h 24 min 38 s
